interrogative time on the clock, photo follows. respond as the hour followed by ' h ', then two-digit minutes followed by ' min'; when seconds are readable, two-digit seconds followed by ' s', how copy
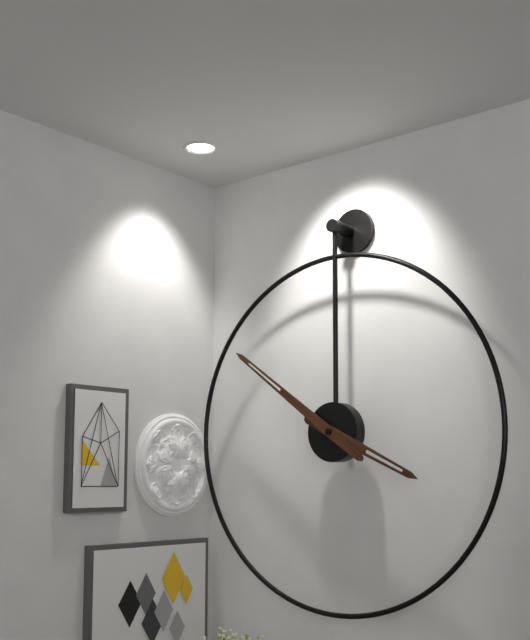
3 h 51 min
